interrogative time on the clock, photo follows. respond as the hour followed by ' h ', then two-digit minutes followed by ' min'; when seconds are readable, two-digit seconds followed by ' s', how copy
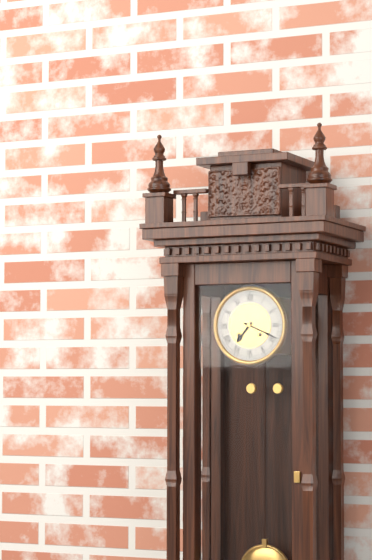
7 h 19 min
